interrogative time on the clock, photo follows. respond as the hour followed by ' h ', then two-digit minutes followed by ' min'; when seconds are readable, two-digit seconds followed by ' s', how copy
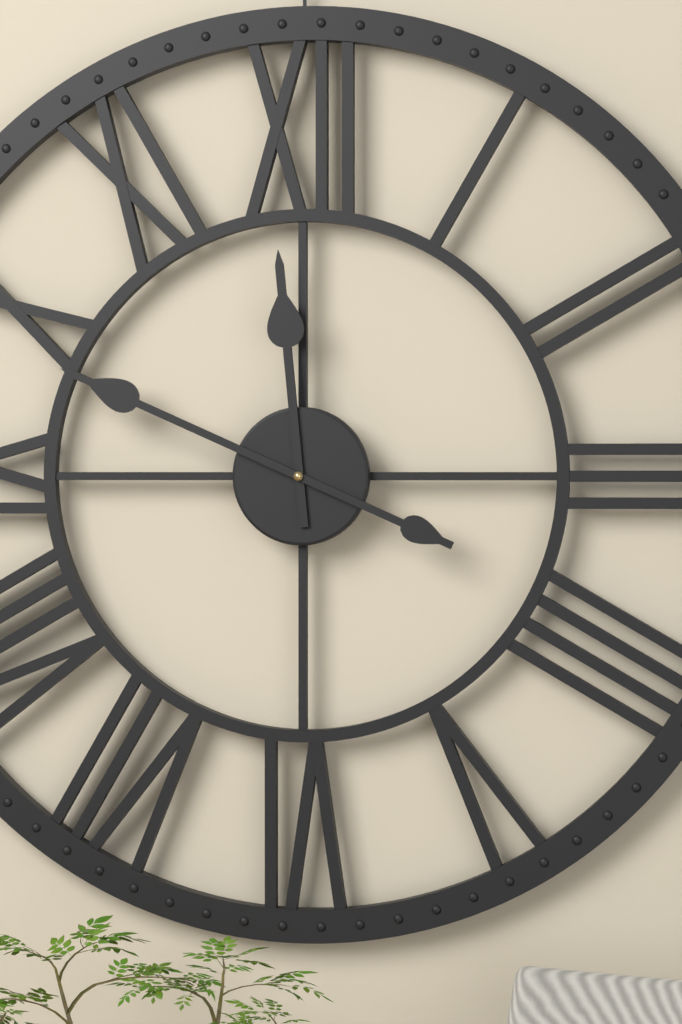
11 h 49 min
